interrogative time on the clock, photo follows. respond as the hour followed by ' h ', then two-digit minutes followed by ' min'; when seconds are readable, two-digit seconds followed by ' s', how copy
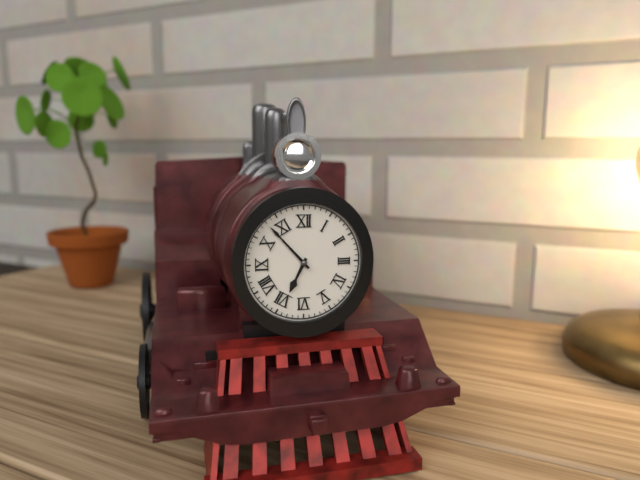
6 h 53 min
